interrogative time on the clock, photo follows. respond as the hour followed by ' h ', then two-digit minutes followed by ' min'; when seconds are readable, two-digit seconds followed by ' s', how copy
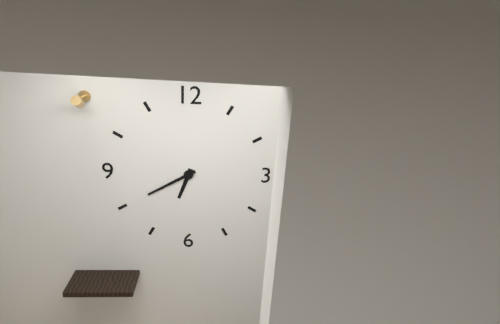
6 h 40 min
